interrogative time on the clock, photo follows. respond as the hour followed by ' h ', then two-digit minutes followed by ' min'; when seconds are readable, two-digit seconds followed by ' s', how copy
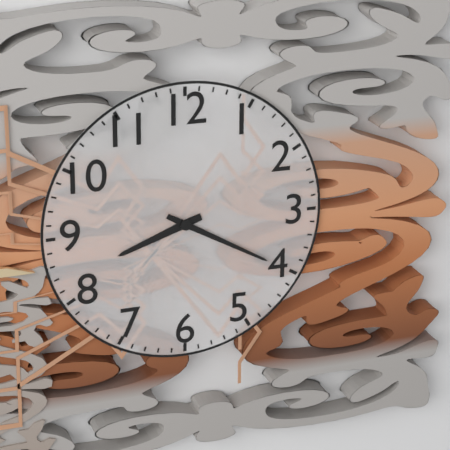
8 h 20 min
